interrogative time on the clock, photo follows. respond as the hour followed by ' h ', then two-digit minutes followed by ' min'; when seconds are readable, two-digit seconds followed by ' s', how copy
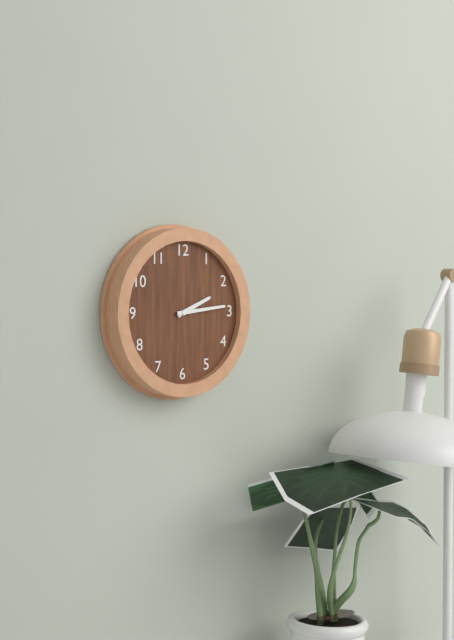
2 h 14 min
